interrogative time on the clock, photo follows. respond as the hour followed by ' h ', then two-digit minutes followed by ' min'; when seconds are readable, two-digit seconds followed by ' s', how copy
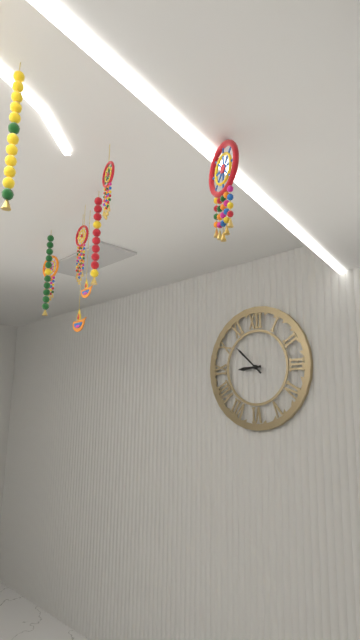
8 h 52 min
